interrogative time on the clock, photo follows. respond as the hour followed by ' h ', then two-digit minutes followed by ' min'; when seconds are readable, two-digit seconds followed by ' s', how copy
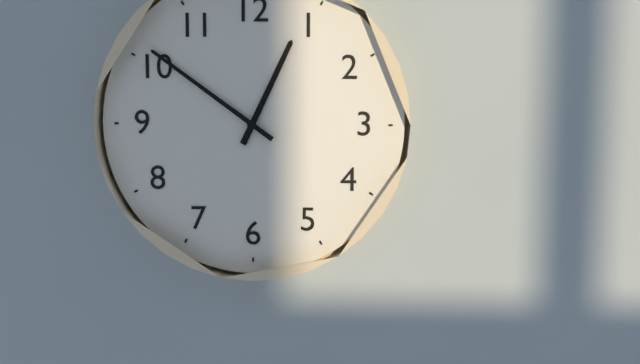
12 h 51 min
